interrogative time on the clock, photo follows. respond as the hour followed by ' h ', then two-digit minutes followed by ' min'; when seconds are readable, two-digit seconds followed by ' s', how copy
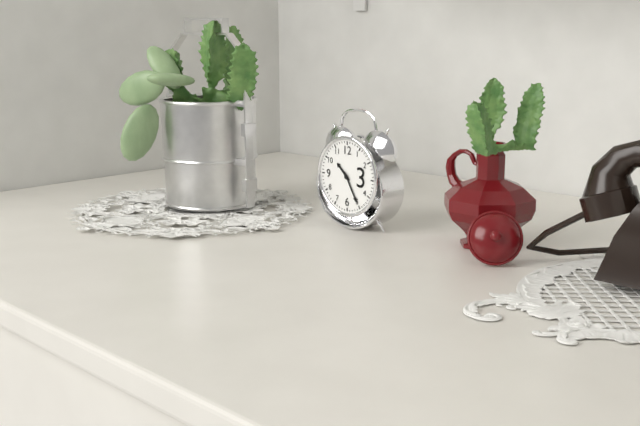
10 h 25 min
